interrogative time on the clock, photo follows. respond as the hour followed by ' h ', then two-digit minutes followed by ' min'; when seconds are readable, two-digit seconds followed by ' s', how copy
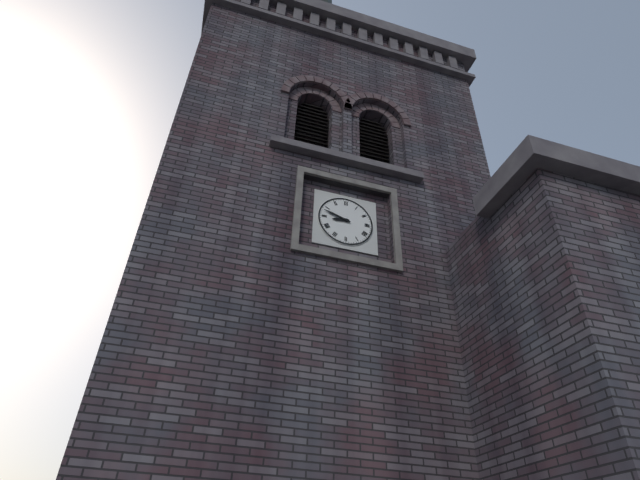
8 h 48 min
